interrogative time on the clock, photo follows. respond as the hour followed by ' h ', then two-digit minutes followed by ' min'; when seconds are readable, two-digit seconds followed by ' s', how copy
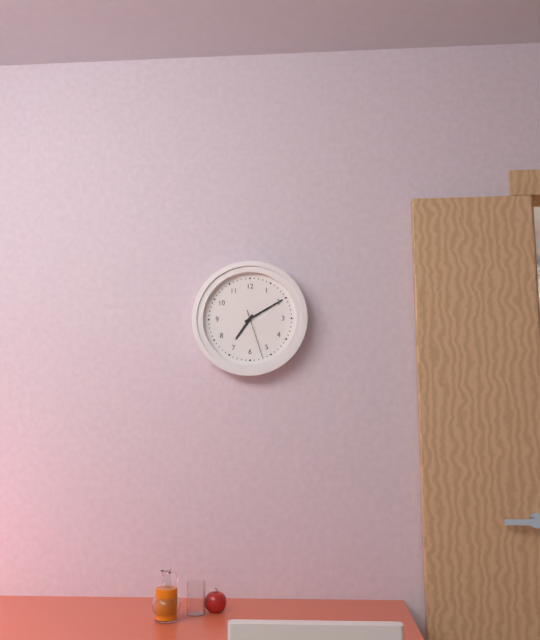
7 h 10 min 27 s
